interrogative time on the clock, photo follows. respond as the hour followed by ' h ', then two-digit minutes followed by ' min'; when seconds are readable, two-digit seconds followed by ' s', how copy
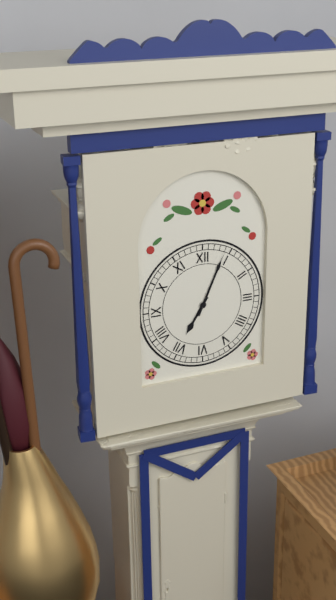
7 h 04 min
